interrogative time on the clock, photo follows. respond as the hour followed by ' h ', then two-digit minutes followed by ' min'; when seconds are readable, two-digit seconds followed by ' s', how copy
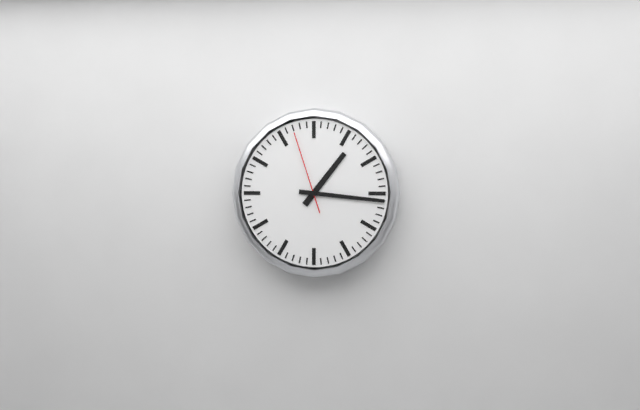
1 h 16 min 57 s
